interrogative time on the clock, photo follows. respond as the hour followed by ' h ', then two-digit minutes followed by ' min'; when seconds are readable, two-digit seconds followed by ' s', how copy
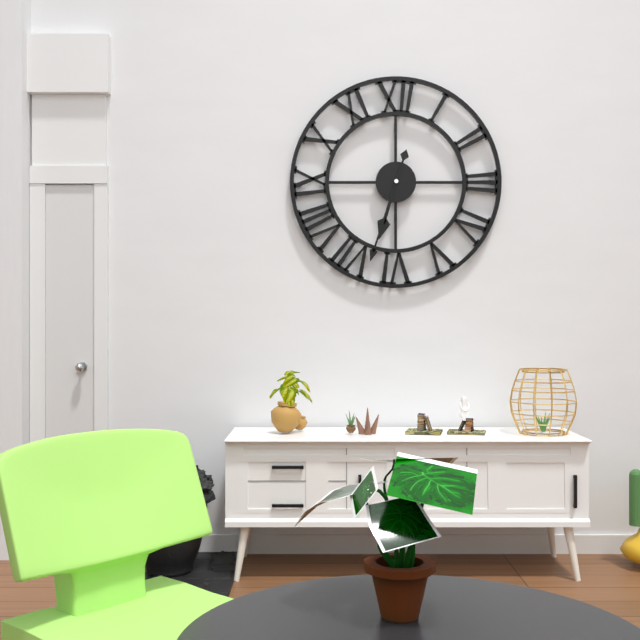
6 h 33 min
